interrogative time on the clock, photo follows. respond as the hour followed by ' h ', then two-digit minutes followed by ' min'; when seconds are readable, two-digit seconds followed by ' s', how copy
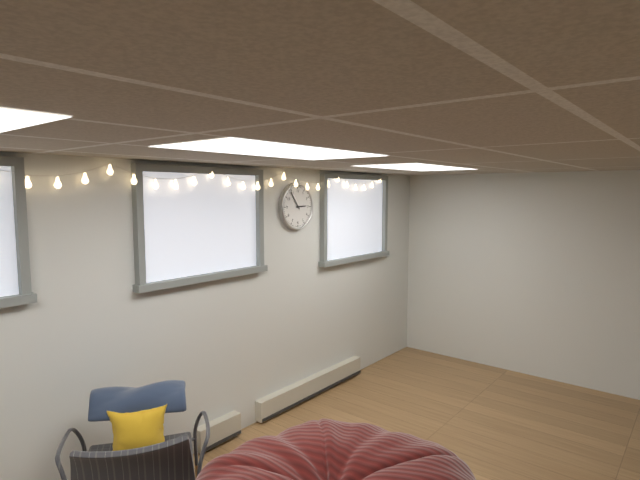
2 h 54 min
